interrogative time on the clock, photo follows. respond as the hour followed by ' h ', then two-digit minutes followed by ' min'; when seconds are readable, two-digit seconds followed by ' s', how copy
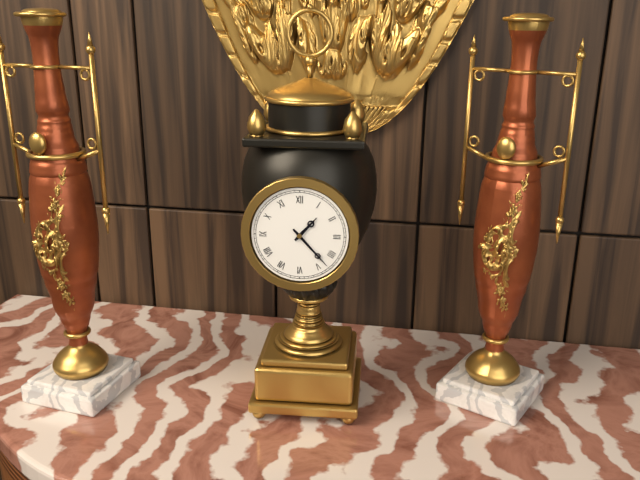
1 h 23 min
